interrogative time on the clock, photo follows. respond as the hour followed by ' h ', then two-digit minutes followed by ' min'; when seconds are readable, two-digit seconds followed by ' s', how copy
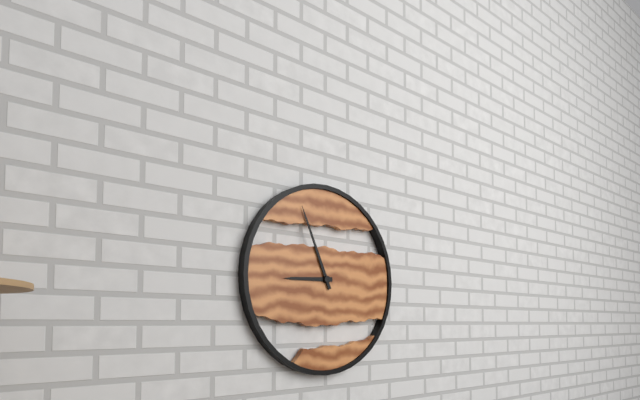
8 h 56 min
